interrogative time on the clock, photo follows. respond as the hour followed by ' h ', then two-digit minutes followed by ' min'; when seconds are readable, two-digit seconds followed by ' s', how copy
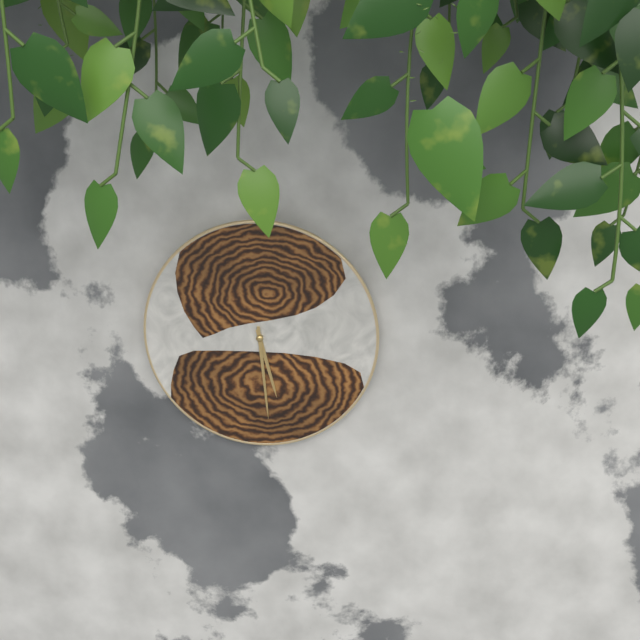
5 h 29 min
